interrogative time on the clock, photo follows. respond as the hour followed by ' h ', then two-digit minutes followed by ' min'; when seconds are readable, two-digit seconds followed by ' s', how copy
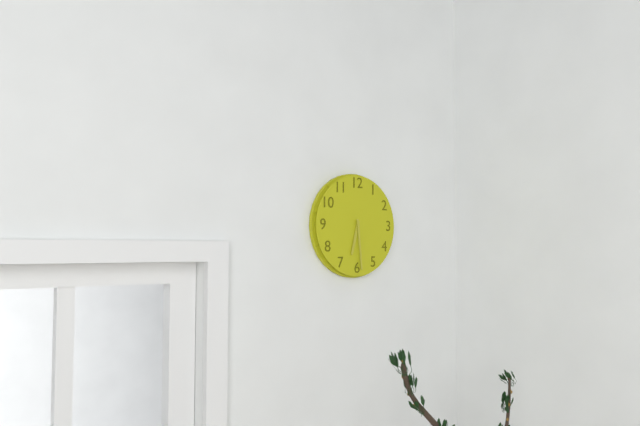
6 h 29 min
